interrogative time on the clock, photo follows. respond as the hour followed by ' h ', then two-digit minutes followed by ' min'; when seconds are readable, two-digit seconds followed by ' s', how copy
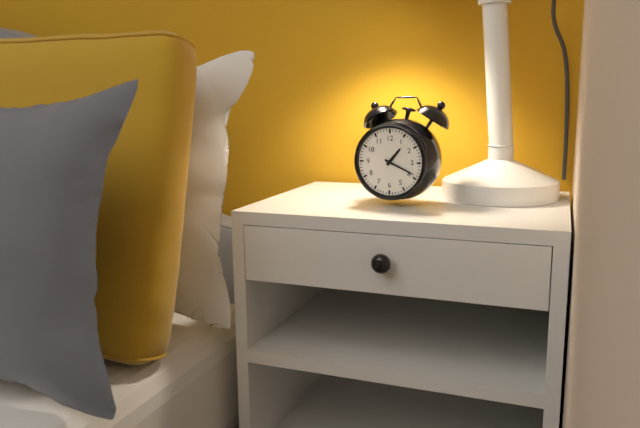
1 h 19 min
